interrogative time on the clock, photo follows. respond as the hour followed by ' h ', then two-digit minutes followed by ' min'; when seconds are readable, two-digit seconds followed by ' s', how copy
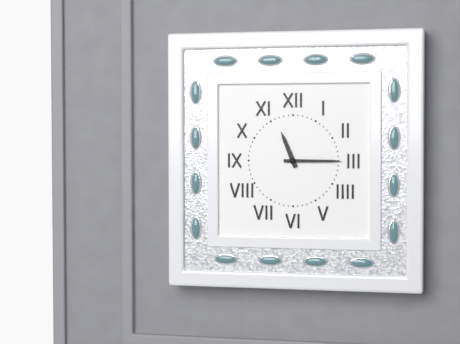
11 h 15 min
